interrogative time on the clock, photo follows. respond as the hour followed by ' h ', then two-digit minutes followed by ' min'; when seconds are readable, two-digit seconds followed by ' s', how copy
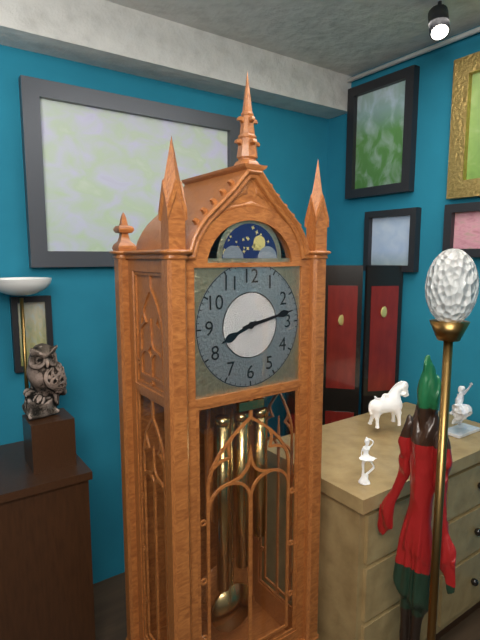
8 h 13 min
